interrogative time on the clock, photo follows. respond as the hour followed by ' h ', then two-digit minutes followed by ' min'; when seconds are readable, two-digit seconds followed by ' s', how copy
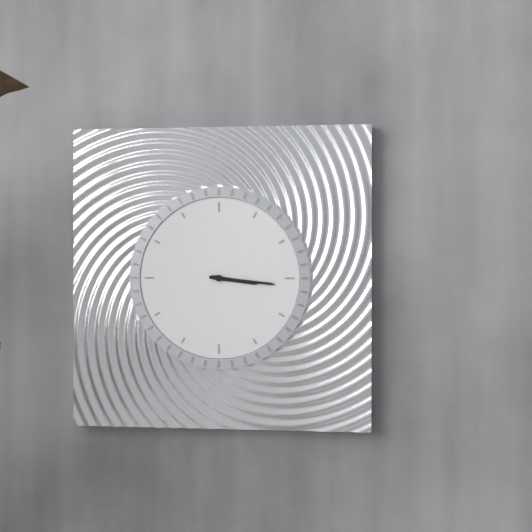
3 h 16 min
